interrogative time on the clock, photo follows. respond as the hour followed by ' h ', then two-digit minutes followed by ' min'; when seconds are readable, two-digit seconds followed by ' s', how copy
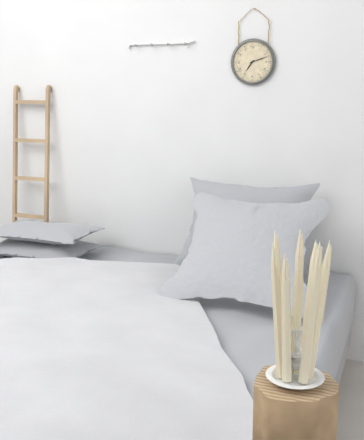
7 h 12 min
